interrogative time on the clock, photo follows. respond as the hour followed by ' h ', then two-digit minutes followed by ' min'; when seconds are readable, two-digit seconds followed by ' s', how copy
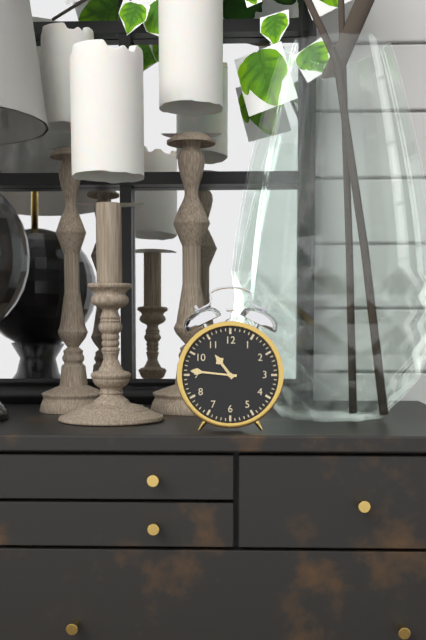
10 h 46 min
